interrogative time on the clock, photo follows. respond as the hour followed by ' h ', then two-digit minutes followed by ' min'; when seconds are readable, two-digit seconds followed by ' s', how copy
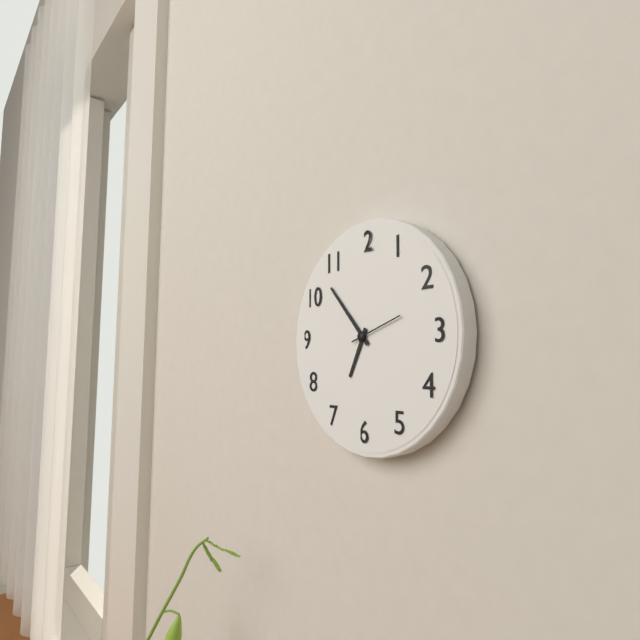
6 h 53 min 12 s
